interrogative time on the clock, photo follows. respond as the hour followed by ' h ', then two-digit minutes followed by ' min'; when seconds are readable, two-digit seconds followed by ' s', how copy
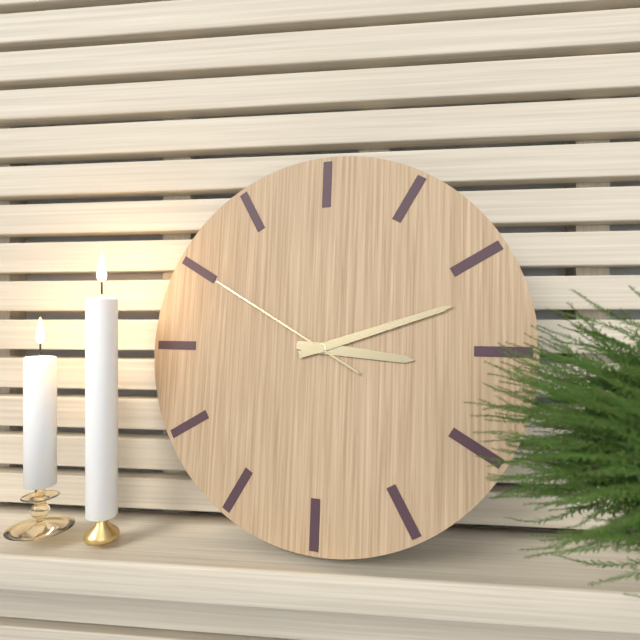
3 h 12 min 50 s
